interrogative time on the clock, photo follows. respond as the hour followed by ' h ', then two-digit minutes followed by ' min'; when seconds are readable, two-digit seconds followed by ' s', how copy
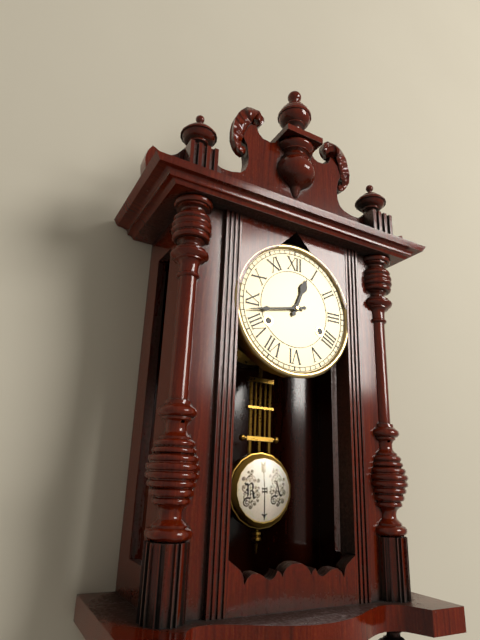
12 h 43 min
